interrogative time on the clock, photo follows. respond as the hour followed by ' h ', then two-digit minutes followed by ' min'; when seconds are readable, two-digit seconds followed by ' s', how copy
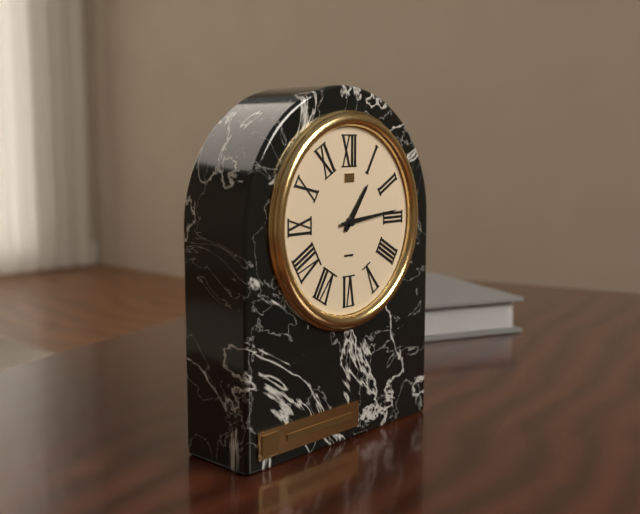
1 h 14 min
